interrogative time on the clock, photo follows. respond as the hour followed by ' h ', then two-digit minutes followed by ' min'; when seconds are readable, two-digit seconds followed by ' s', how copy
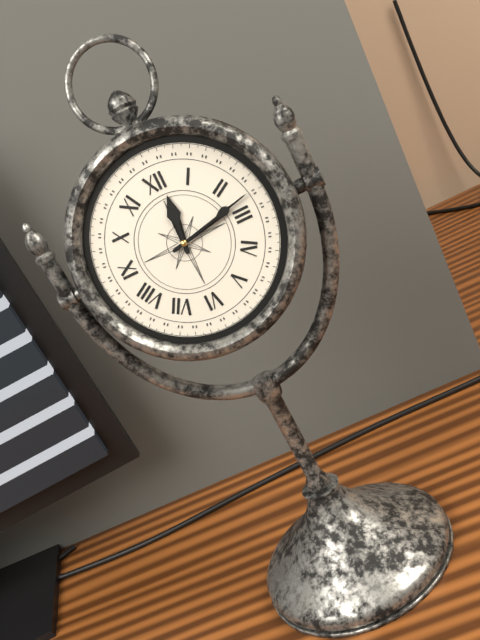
12 h 13 min
